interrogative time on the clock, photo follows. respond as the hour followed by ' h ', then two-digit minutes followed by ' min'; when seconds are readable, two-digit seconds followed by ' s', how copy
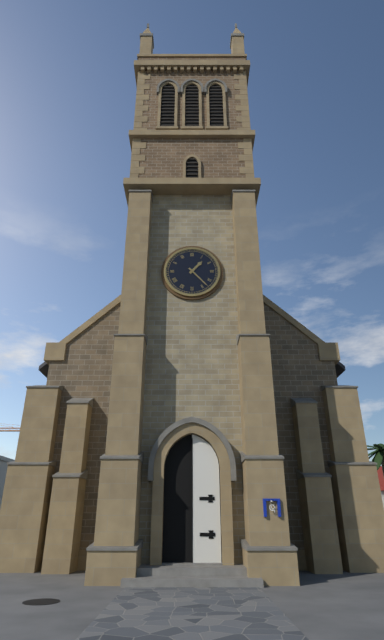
1 h 23 min
